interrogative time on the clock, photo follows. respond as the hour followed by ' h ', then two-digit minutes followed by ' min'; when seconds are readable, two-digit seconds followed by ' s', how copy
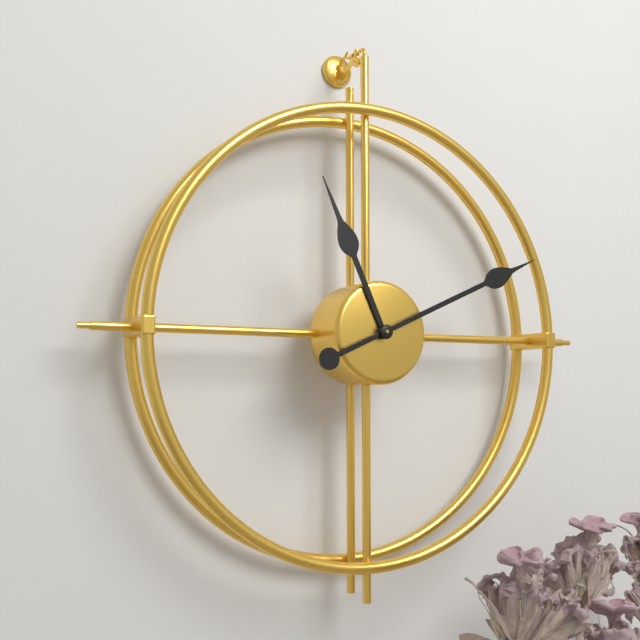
11 h 11 min
